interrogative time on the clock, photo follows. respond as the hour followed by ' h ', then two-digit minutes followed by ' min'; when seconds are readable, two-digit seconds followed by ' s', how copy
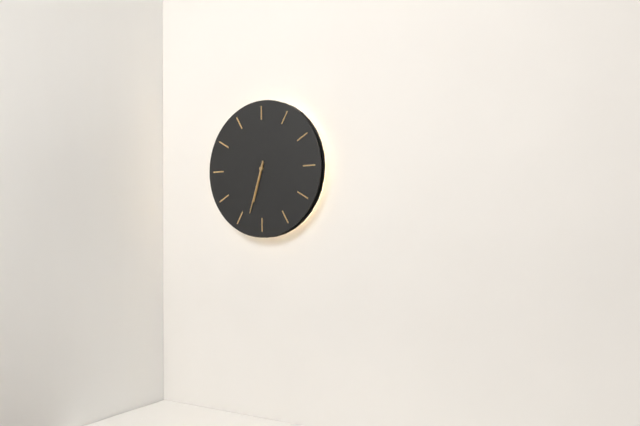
6 h 33 min
